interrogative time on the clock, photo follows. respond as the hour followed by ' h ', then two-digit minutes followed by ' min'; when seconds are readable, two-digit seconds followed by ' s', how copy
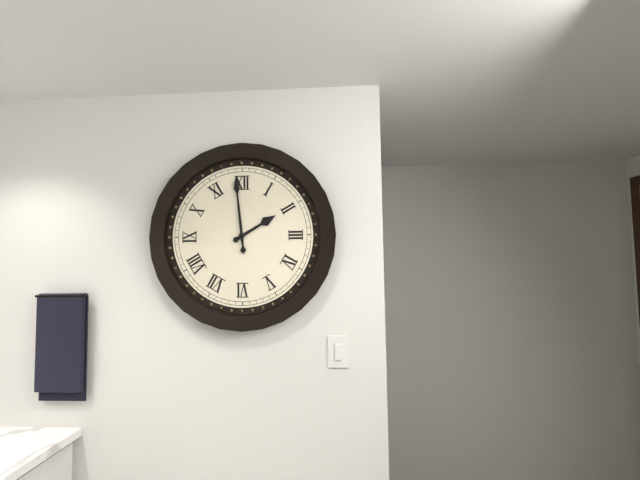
1 h 59 min
